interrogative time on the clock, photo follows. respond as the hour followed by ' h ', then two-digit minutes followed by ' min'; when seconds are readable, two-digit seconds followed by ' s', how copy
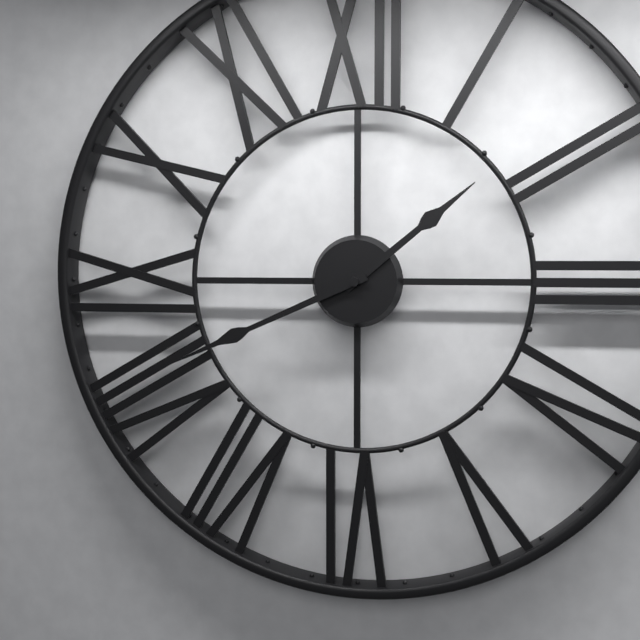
1 h 41 min
